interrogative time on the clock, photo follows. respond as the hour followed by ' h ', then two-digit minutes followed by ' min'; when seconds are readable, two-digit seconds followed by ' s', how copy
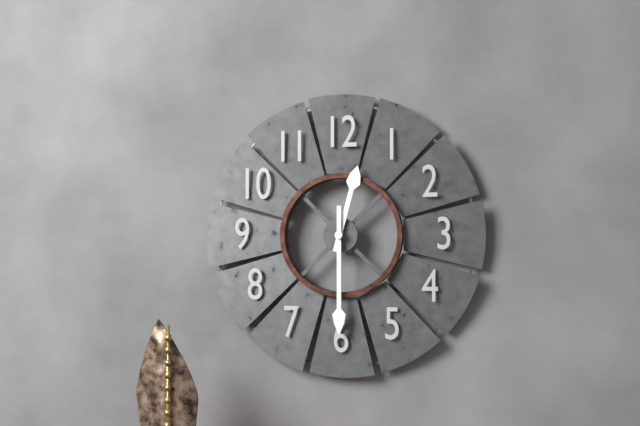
12 h 30 min
